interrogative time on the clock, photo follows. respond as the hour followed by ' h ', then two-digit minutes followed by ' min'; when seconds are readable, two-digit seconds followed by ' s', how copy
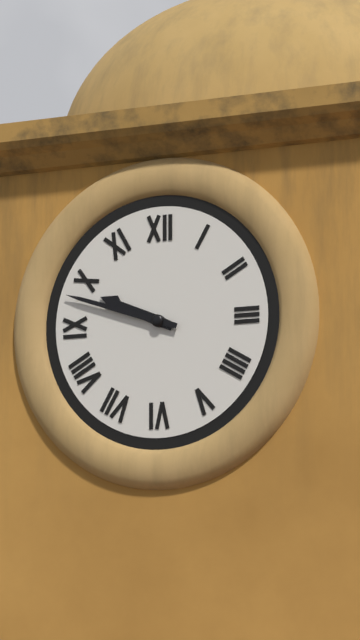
9 h 48 min
